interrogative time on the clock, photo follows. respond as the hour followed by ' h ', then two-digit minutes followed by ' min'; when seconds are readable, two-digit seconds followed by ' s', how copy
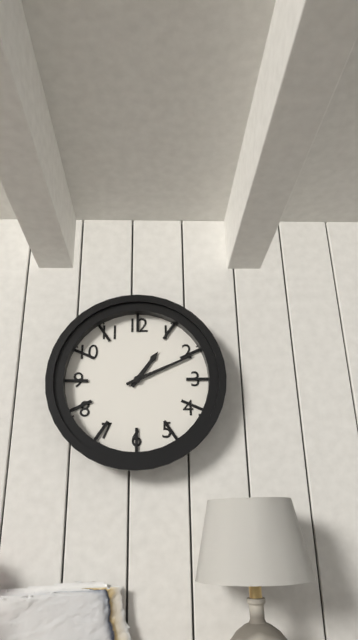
1 h 11 min
